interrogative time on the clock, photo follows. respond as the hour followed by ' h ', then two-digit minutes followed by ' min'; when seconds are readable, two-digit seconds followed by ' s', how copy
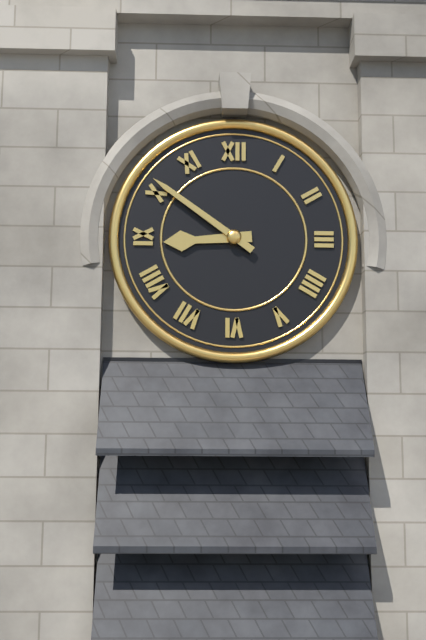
8 h 51 min
